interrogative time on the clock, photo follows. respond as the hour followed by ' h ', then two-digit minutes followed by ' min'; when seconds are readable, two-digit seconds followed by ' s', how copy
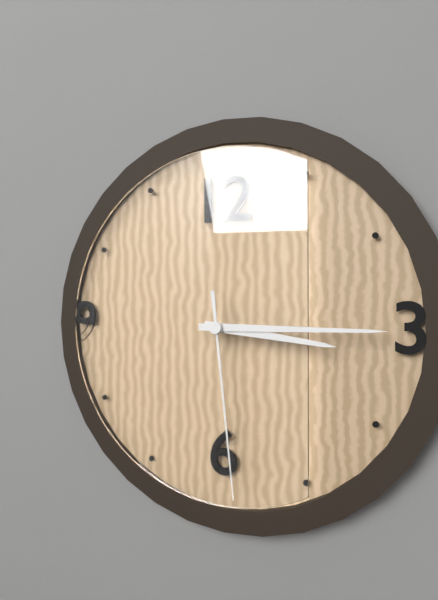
3 h 15 min 29 s
